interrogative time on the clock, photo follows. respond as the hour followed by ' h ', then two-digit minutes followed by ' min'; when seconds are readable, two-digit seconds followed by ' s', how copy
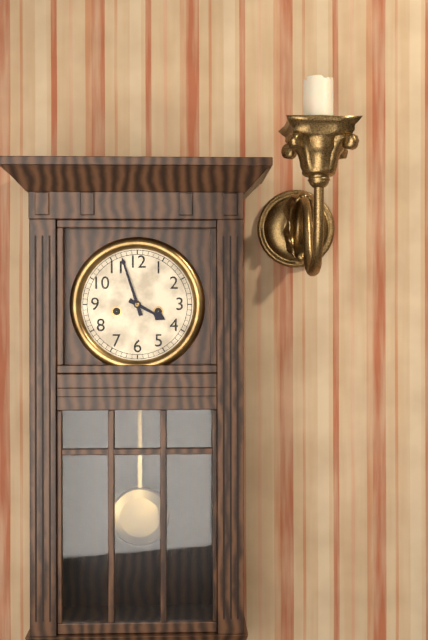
3 h 57 min
